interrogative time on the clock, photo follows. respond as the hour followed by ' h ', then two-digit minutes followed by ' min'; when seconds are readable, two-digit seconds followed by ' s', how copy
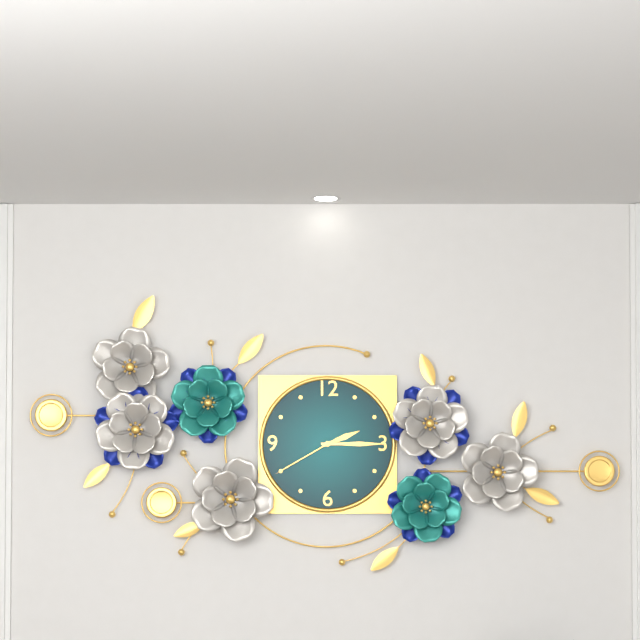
2 h 15 min 40 s
